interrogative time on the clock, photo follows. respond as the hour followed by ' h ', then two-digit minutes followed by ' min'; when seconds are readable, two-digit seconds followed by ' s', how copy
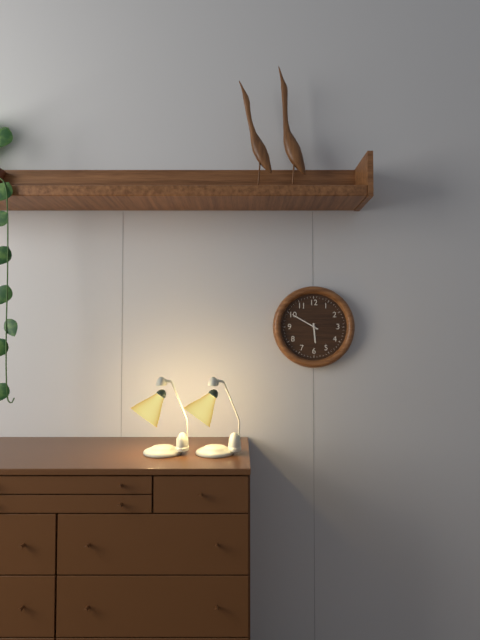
5 h 50 min
